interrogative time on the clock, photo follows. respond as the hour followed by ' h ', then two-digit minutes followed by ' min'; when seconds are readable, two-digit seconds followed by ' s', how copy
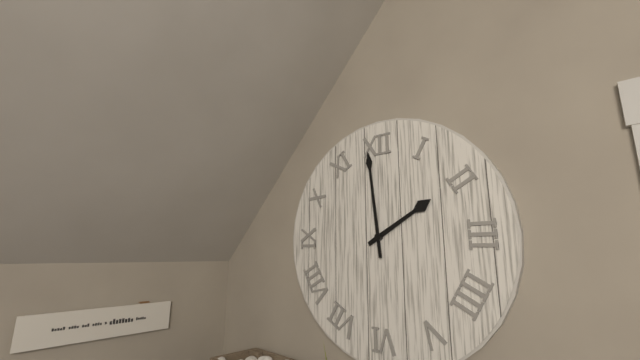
1 h 59 min
